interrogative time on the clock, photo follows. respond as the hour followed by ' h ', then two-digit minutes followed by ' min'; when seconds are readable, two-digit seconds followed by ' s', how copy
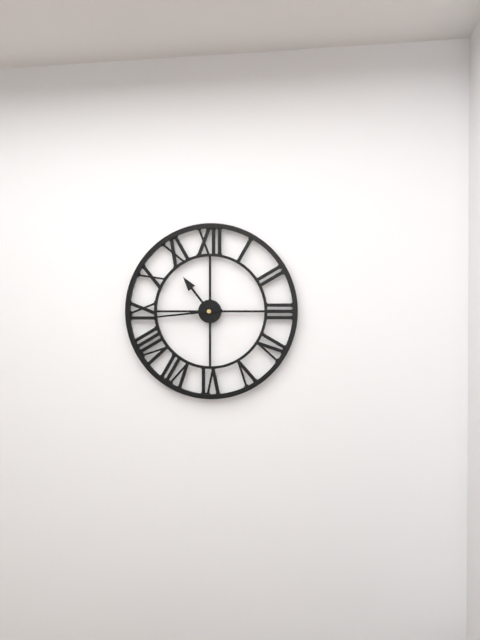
10 h 44 min
